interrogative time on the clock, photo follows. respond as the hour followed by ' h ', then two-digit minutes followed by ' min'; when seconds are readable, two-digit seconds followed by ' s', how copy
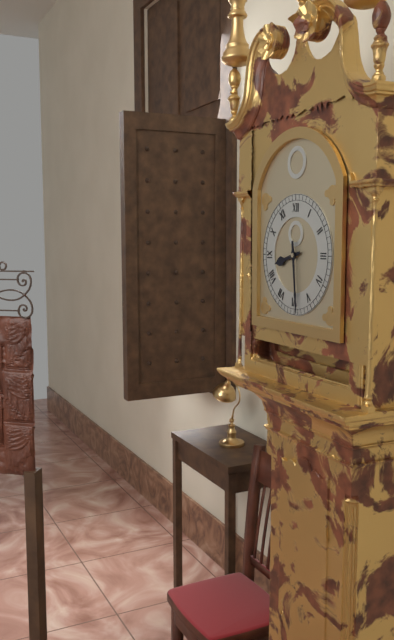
8 h 29 min
